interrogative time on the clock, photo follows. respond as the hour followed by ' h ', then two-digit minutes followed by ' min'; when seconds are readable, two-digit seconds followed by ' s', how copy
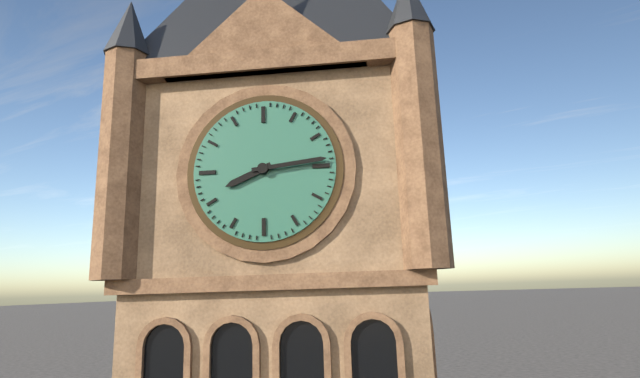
8 h 14 min
